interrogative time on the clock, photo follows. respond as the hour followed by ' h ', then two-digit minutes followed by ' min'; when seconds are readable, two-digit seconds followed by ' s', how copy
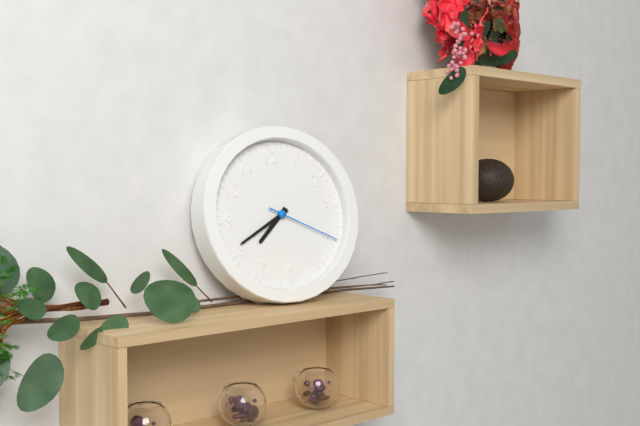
7 h 41 min 20 s
